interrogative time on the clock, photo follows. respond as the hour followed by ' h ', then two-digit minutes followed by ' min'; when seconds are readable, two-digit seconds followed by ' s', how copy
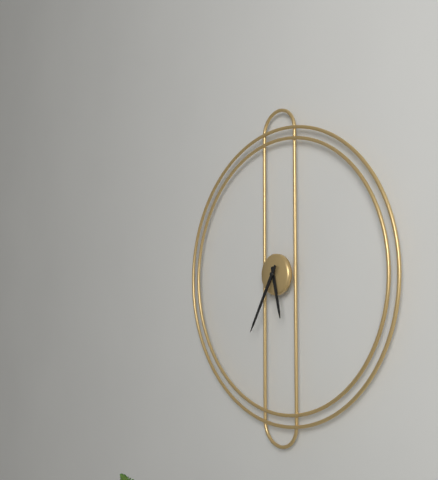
5 h 35 min
